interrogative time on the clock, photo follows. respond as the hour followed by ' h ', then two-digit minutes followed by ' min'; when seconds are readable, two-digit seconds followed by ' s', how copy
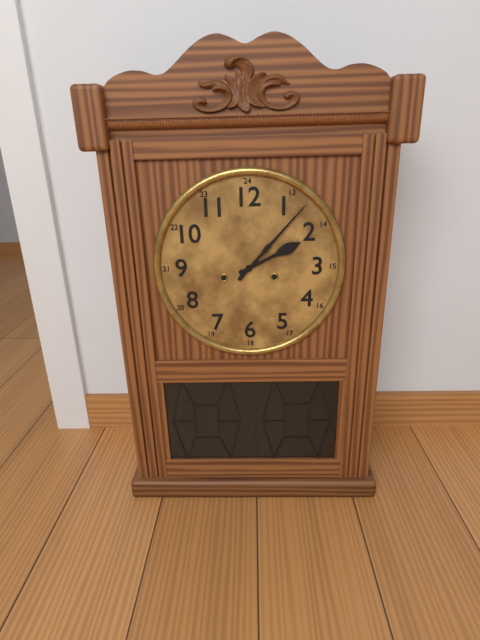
2 h 07 min
